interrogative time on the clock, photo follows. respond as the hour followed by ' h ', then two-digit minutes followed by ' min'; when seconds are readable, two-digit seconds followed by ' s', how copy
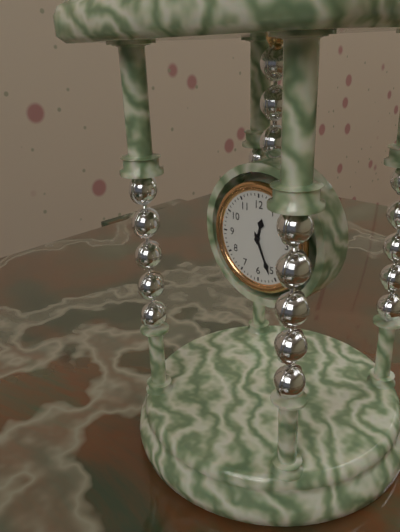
12 h 26 min
